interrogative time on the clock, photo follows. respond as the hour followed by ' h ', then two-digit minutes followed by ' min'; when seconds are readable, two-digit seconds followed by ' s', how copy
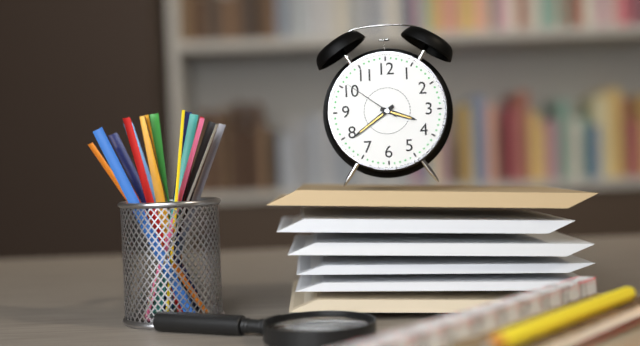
3 h 39 min 51 s
